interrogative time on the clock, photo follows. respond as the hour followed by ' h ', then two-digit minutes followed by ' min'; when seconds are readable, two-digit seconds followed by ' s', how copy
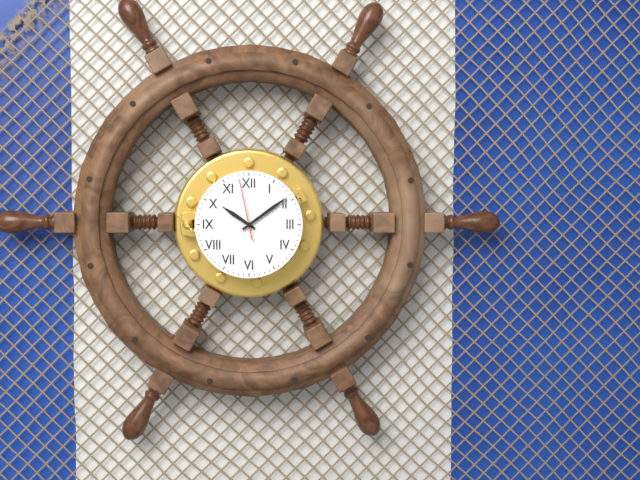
10 h 09 min 58 s
